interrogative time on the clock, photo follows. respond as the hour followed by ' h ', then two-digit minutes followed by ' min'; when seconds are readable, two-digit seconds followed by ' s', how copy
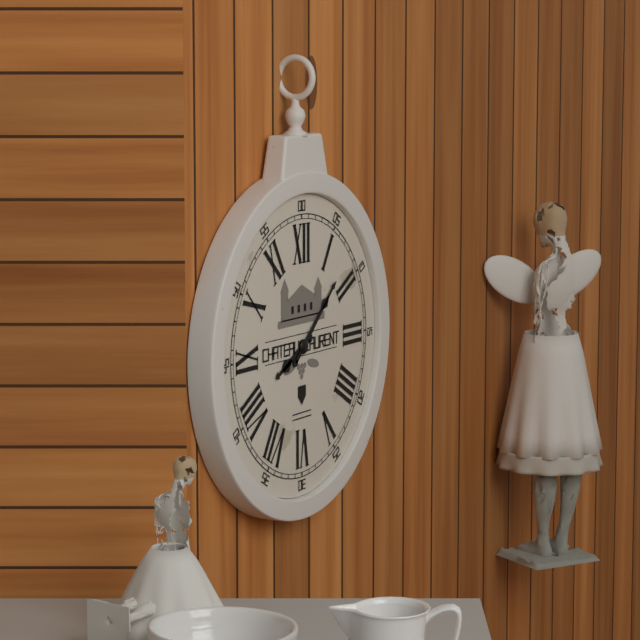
8 h 08 min
